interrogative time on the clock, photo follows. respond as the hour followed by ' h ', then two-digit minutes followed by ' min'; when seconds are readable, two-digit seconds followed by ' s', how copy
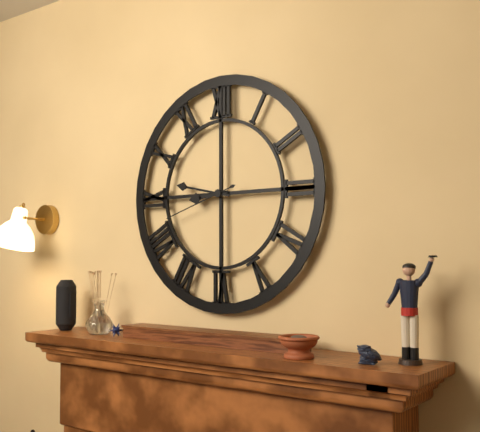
8 h 47 min 42 s
